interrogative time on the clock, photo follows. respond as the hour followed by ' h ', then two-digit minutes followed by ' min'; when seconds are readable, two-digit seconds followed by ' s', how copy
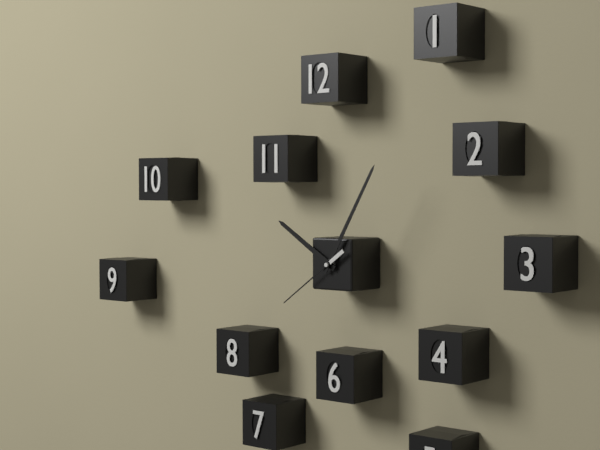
10 h 05 min 39 s
